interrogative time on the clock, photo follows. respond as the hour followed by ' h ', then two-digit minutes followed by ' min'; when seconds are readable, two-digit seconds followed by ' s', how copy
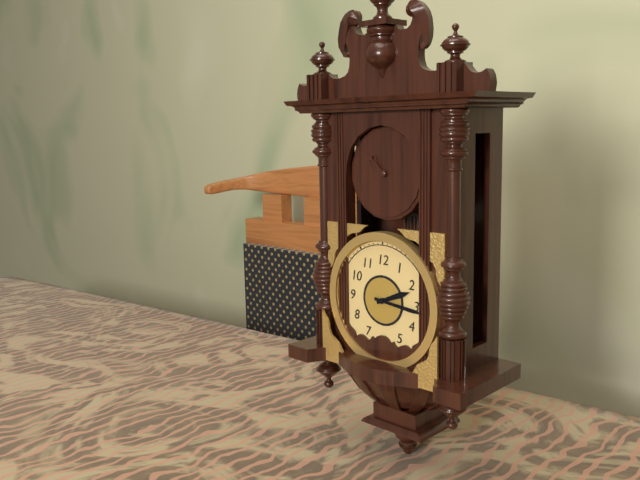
2 h 16 min
